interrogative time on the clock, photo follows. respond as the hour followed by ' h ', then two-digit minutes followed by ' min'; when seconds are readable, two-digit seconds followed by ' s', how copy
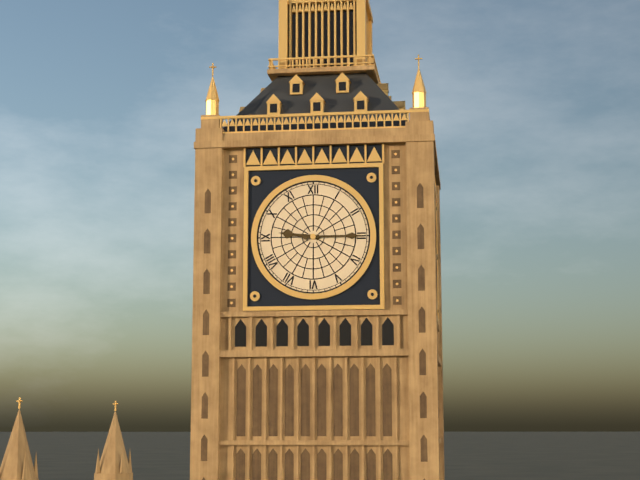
9 h 15 min
